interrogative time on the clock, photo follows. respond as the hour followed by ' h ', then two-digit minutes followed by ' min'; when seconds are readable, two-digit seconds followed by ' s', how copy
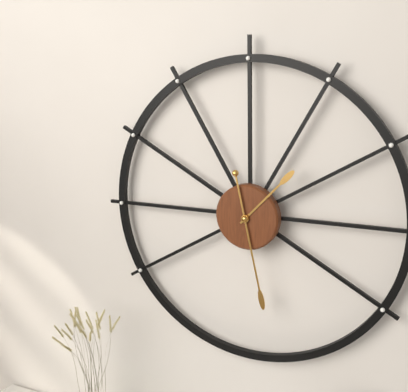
1 h 28 min
